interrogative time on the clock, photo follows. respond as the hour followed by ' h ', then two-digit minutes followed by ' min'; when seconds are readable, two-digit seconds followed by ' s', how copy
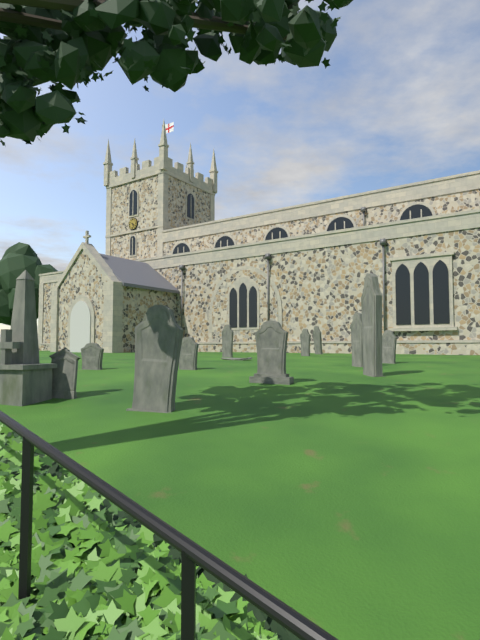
5 h 20 min
